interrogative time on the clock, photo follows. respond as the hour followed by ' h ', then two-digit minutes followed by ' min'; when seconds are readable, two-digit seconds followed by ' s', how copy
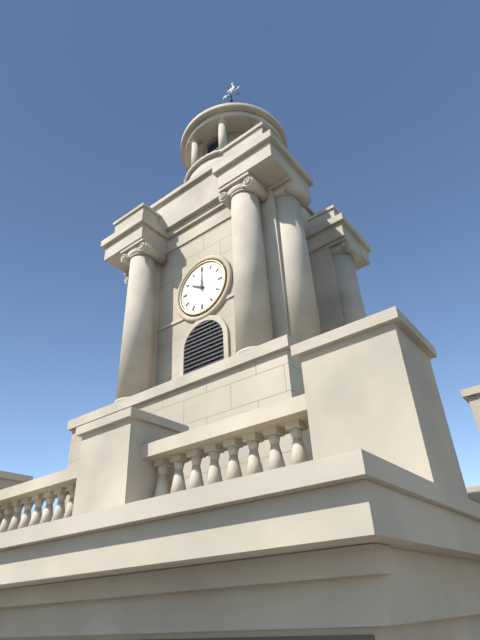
10 h 00 min
